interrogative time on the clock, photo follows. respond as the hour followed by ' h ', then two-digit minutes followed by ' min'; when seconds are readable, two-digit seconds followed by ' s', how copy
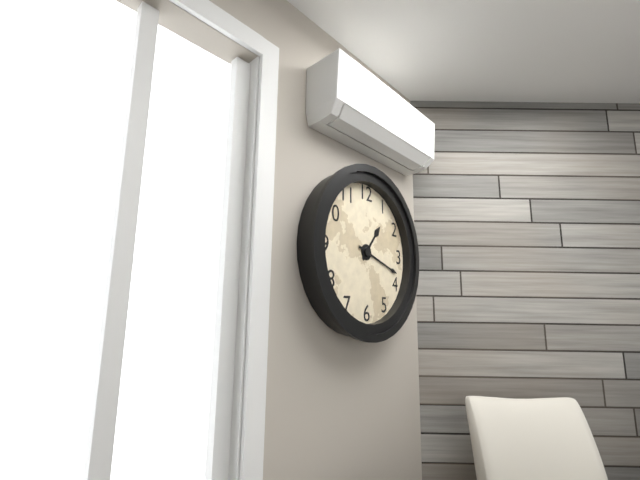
1 h 18 min
